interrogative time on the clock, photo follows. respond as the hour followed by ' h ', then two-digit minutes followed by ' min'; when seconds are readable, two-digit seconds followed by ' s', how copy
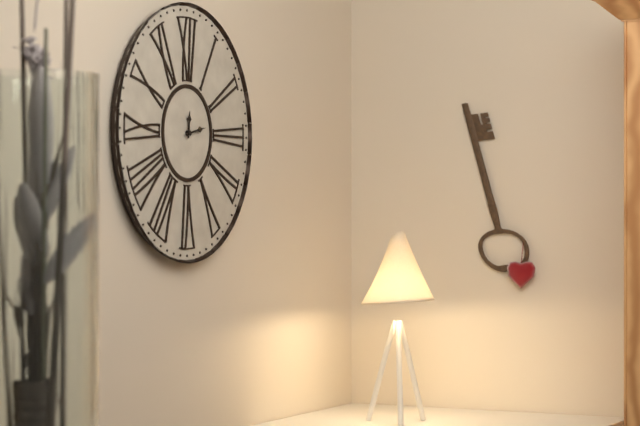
12 h 13 min
